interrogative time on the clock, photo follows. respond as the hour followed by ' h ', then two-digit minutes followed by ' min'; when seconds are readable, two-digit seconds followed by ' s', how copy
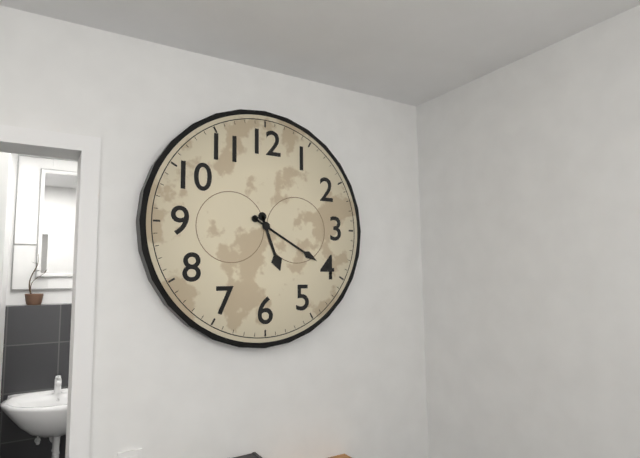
5 h 20 min
